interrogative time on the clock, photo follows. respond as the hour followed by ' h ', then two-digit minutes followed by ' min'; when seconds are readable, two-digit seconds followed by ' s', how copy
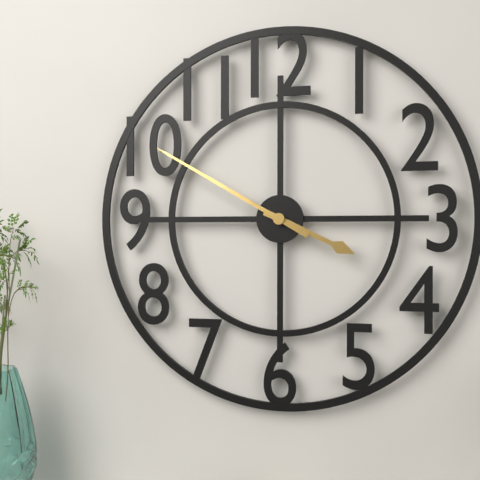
3 h 50 min
